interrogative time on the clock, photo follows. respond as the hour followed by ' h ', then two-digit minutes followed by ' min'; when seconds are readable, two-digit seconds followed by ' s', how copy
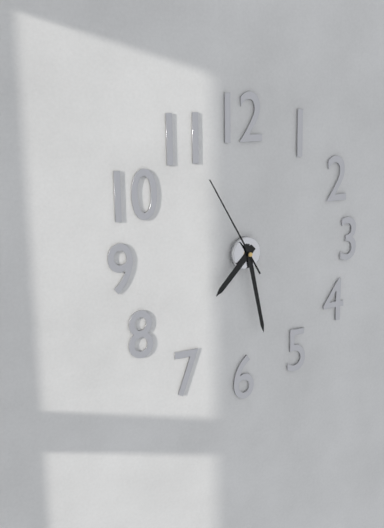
7 h 28 min 55 s
